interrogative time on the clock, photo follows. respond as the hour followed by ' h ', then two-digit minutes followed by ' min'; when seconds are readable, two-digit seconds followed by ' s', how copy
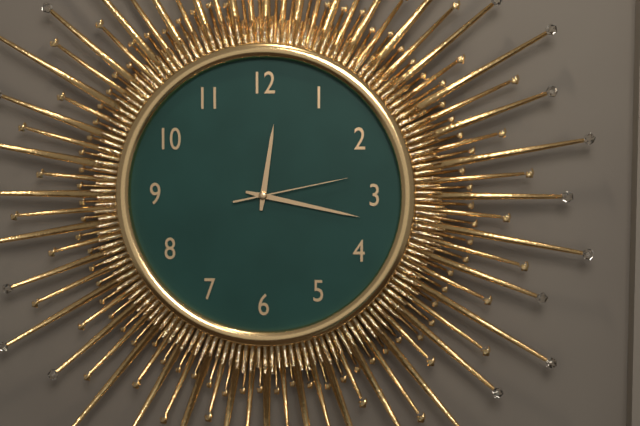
12 h 17 min 13 s
